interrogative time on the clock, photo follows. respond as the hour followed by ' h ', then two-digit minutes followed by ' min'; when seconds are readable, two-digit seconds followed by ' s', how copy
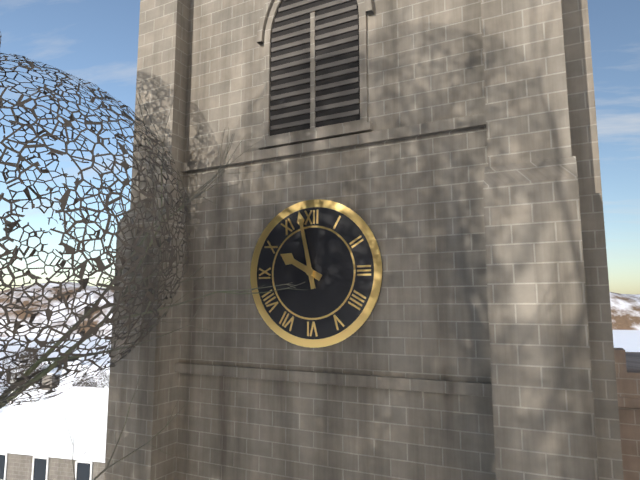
9 h 58 min
